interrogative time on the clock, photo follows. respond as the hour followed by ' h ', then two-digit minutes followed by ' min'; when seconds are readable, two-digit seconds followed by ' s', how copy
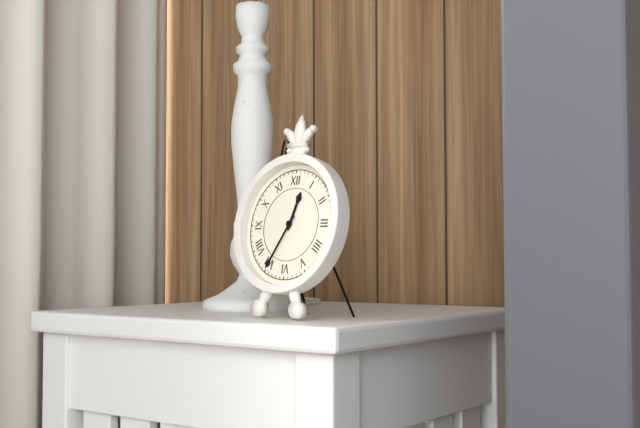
12 h 35 min
